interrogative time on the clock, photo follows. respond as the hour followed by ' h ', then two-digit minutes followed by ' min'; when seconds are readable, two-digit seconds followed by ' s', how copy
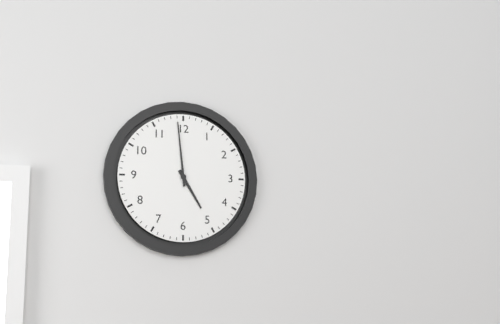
4 h 59 min
